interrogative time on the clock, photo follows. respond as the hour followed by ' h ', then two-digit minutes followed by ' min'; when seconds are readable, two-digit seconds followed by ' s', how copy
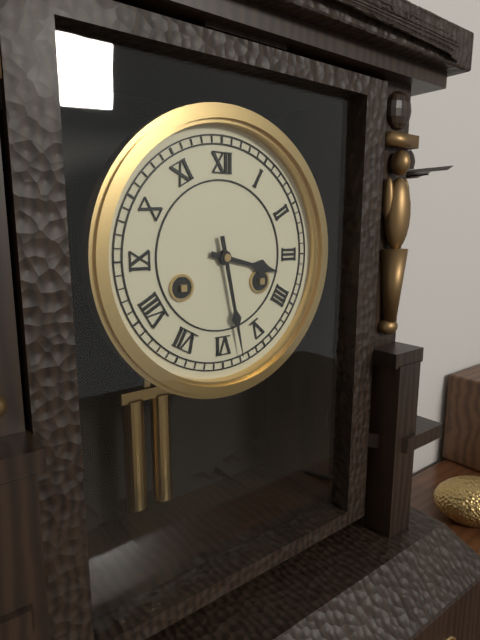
3 h 28 min
